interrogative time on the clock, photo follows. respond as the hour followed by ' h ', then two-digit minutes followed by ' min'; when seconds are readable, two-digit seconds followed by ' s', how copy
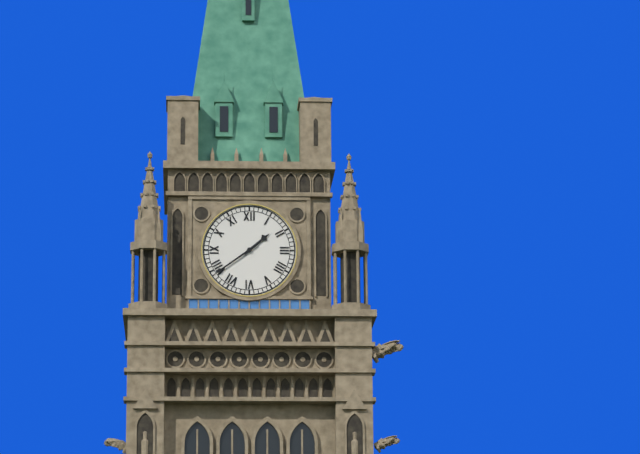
1 h 39 min
